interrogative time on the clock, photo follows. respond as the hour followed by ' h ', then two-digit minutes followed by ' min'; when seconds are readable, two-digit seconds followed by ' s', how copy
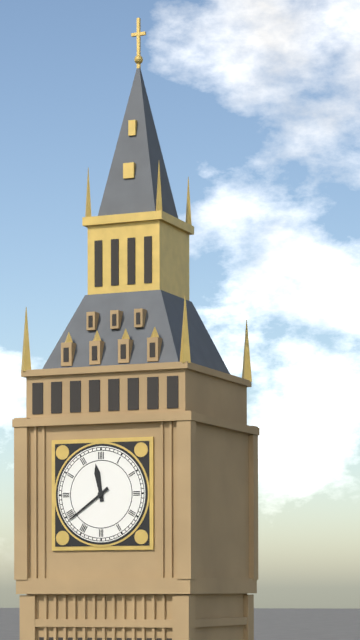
11 h 39 min
